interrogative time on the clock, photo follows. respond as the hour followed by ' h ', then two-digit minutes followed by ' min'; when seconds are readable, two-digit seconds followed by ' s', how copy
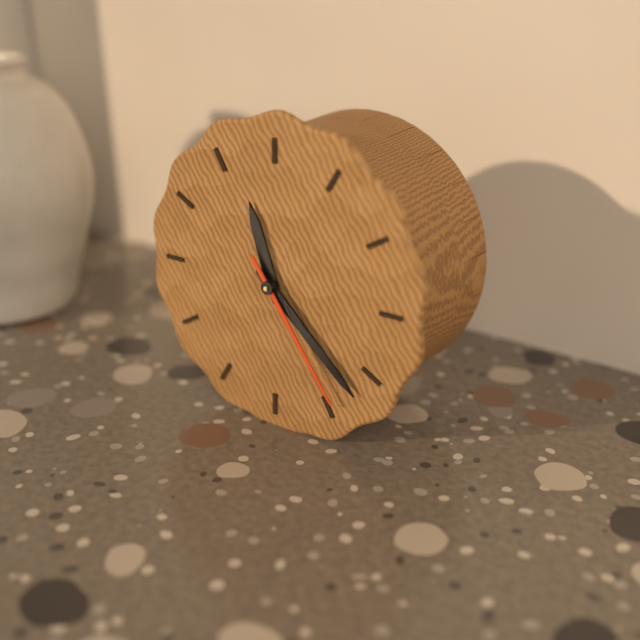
11 h 22 min 24 s
